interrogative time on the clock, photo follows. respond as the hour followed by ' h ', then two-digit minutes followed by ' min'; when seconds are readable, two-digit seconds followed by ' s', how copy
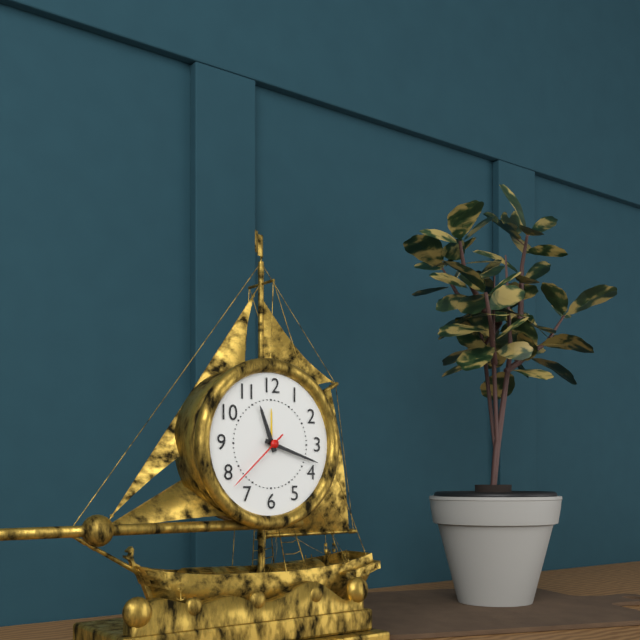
11 h 18 min 38 s
